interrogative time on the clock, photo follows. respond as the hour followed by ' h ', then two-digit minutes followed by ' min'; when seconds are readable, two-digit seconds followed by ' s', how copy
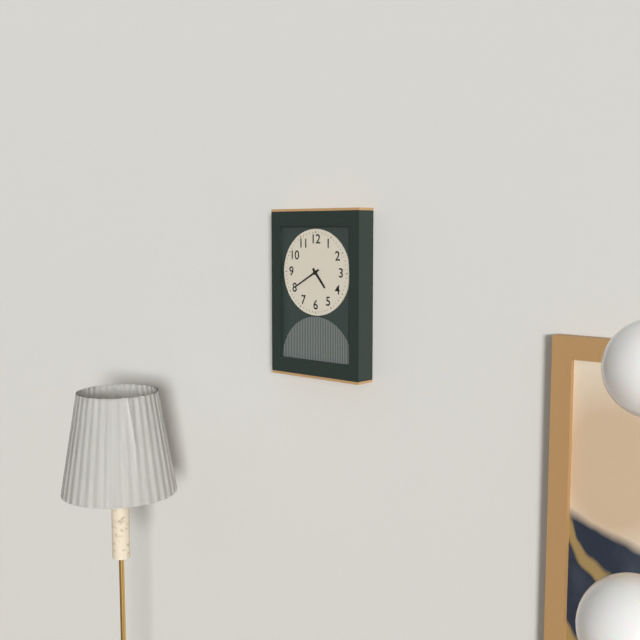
4 h 40 min
